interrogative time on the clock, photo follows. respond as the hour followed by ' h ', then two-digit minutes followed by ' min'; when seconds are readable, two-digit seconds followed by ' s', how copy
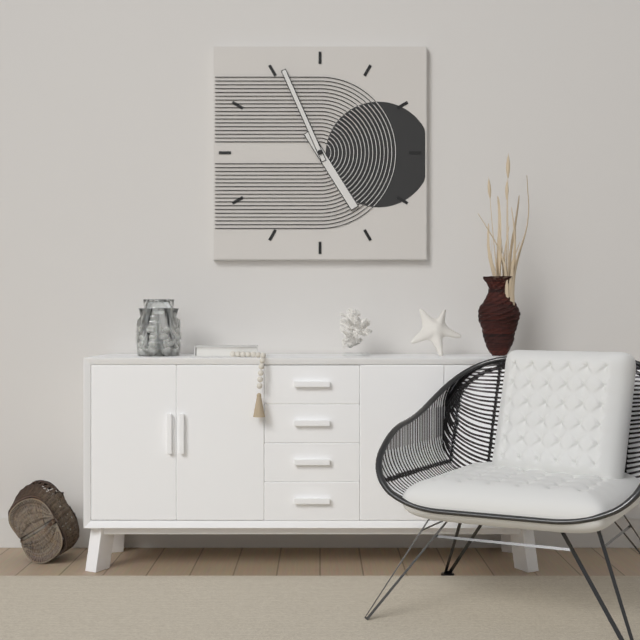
4 h 56 min
